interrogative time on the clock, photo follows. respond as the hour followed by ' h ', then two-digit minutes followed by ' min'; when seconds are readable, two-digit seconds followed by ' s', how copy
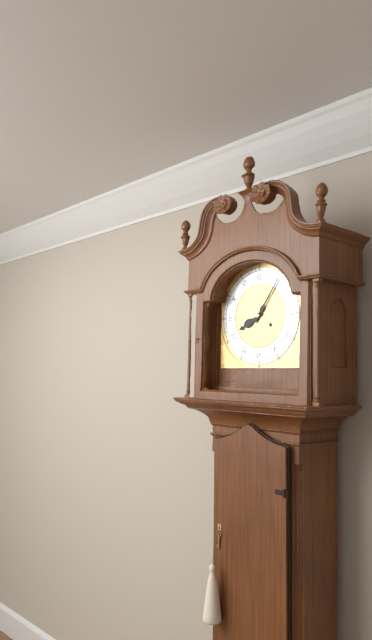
8 h 06 min
